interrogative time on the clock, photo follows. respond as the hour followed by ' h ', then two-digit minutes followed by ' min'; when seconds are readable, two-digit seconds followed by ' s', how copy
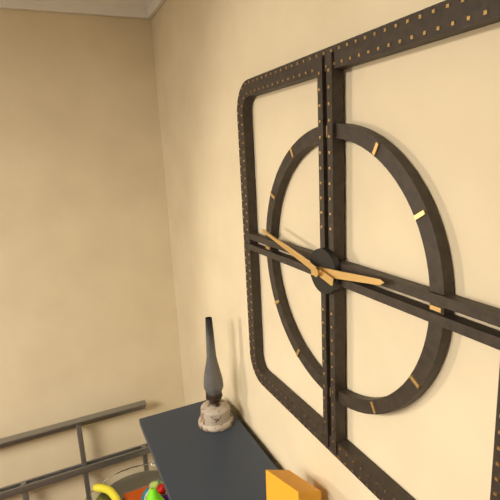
2 h 47 min
